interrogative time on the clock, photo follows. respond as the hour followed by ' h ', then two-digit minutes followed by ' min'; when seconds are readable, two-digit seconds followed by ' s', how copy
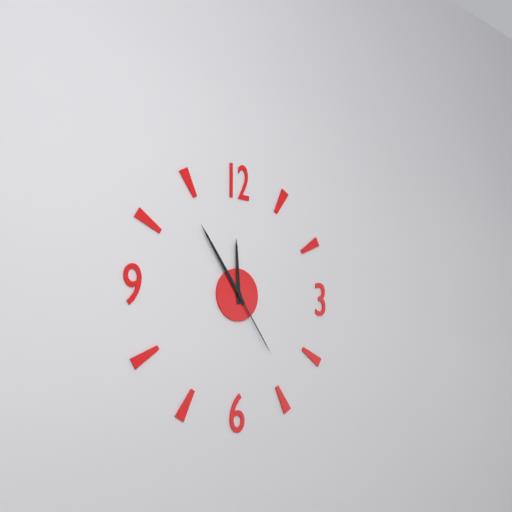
11 h 54 min 24 s
